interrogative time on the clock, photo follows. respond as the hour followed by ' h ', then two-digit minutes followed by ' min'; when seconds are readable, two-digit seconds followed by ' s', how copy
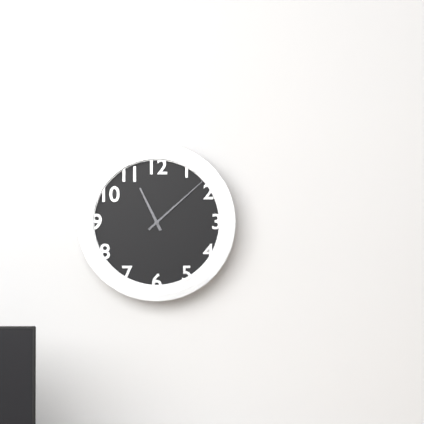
11 h 08 min
